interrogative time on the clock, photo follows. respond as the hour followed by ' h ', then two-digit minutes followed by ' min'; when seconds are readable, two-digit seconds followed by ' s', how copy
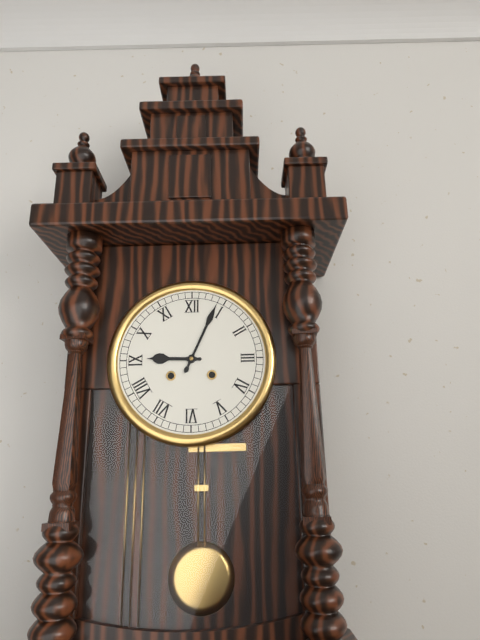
9 h 04 min
